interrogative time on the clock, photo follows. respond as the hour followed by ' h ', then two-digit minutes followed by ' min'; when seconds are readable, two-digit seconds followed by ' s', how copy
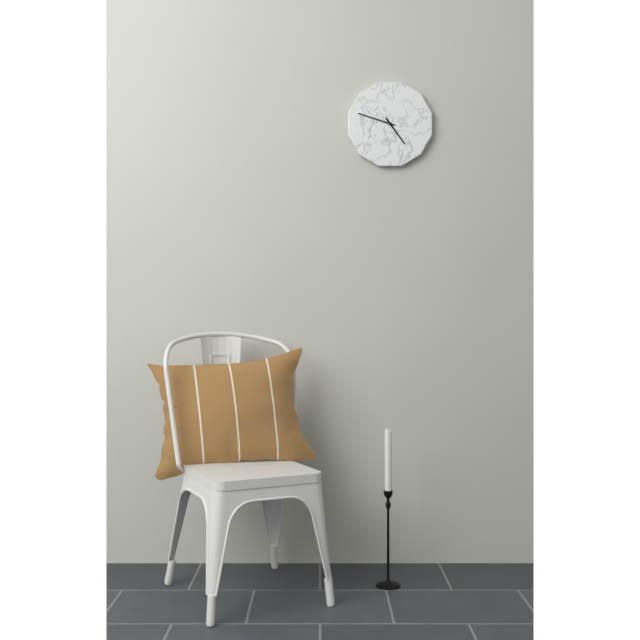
4 h 48 min
